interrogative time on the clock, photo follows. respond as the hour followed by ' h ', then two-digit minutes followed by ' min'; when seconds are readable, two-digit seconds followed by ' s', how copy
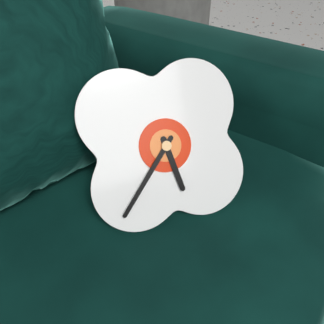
5 h 37 min
